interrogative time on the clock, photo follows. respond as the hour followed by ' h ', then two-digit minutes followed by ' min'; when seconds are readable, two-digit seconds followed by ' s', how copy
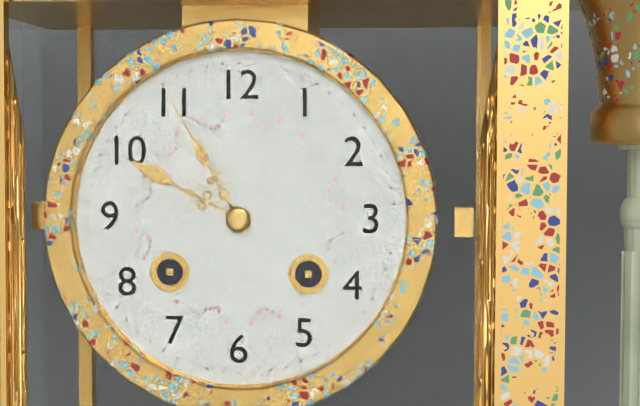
9 h 55 min
